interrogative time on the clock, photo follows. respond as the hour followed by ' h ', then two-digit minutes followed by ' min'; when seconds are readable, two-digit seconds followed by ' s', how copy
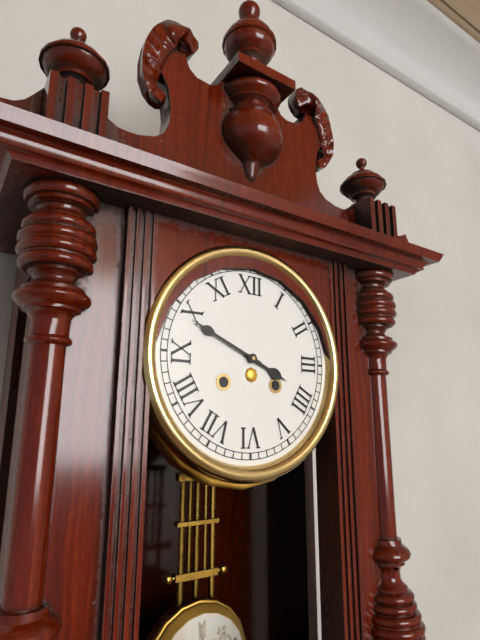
3 h 49 min
